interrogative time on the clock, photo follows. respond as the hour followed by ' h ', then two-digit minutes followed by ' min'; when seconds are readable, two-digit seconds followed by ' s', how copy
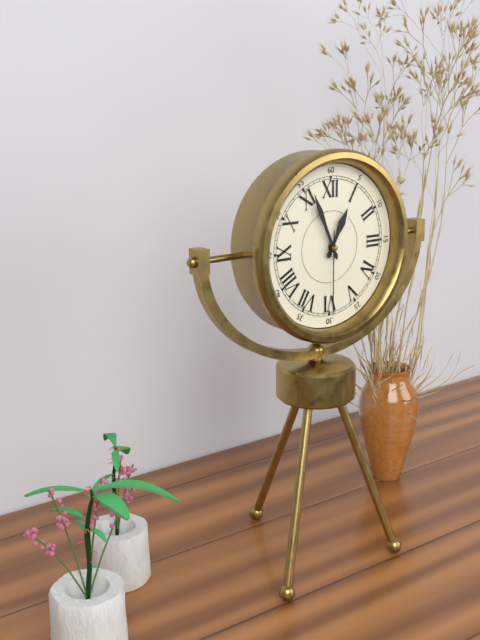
12 h 56 min 30 s
